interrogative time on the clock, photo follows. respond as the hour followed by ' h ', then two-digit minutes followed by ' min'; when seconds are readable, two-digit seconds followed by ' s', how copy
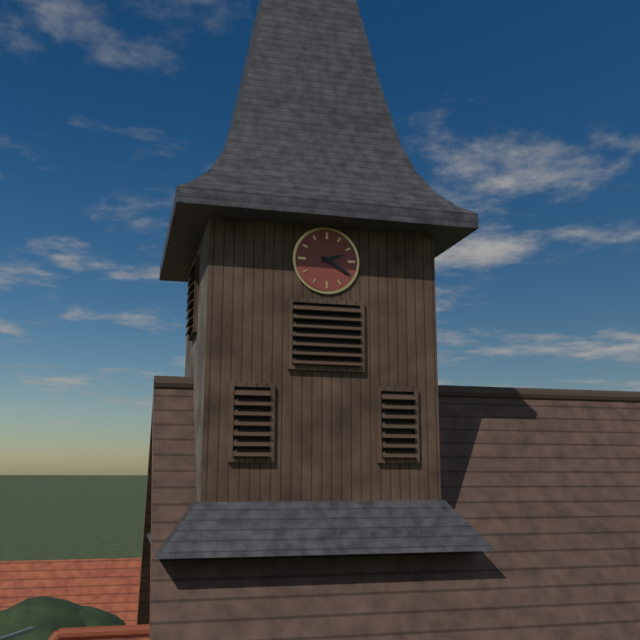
2 h 20 min
